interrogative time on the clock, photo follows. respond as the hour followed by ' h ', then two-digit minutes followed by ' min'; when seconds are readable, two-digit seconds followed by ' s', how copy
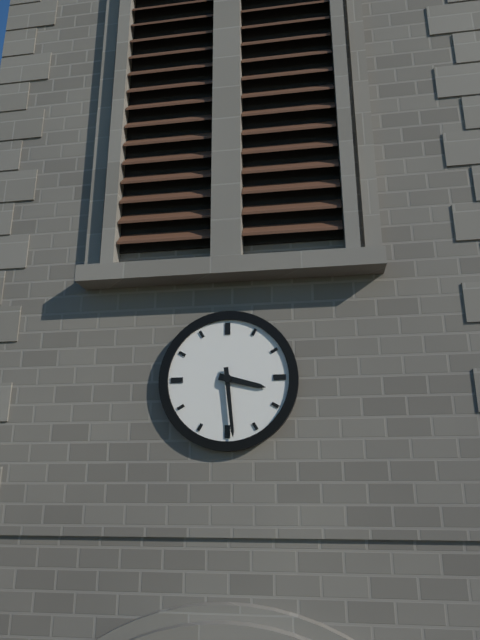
3 h 29 min
